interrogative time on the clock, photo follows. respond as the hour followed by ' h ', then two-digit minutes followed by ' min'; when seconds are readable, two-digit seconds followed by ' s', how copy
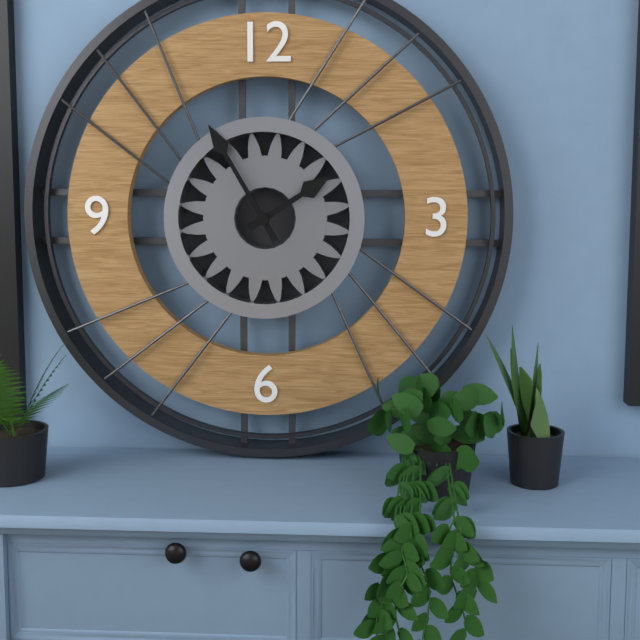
1 h 55 min
